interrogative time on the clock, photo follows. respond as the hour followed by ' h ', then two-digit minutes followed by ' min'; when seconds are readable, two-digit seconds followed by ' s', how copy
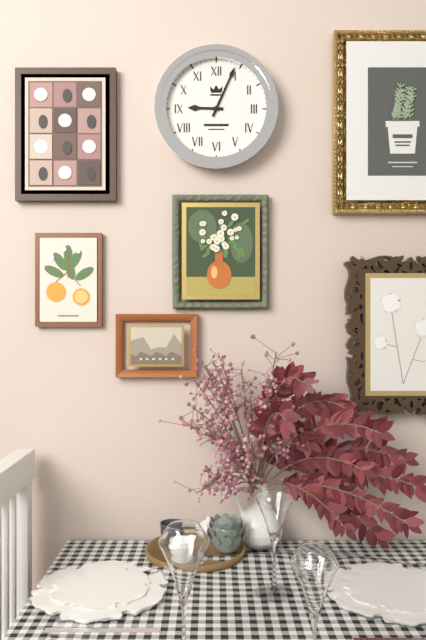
9 h 04 min
